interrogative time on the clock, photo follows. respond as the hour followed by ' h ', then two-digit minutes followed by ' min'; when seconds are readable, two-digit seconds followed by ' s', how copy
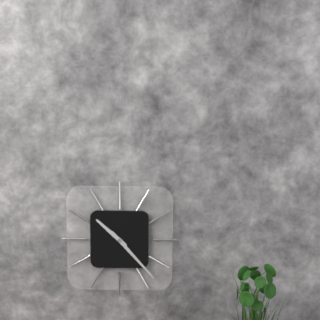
10 h 23 min
